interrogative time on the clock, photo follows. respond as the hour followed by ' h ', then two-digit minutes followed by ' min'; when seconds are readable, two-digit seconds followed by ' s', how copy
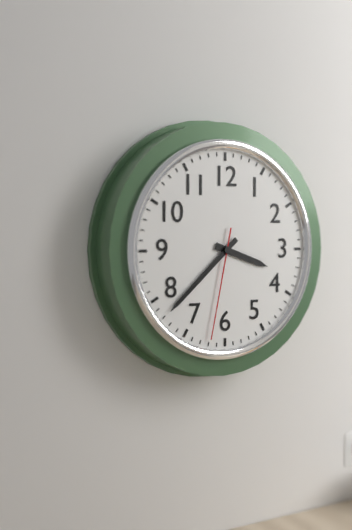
3 h 38 min 32 s
